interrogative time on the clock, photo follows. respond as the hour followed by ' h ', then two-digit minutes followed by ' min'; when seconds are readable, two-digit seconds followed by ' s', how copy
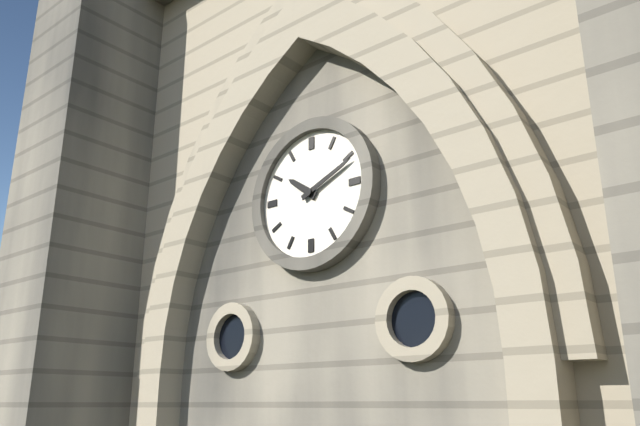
10 h 11 min
